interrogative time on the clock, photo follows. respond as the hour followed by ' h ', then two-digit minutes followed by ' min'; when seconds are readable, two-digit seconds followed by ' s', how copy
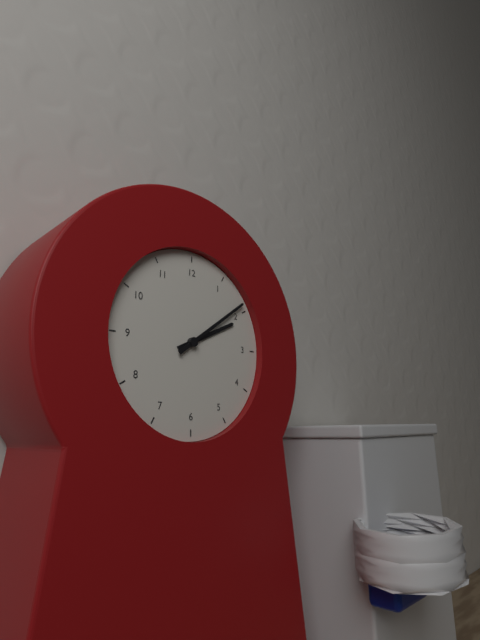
2 h 09 min
